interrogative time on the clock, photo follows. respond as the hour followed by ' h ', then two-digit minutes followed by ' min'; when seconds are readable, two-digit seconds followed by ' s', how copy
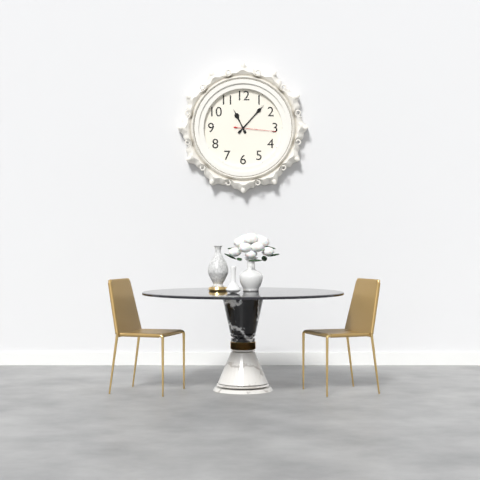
11 h 07 min
